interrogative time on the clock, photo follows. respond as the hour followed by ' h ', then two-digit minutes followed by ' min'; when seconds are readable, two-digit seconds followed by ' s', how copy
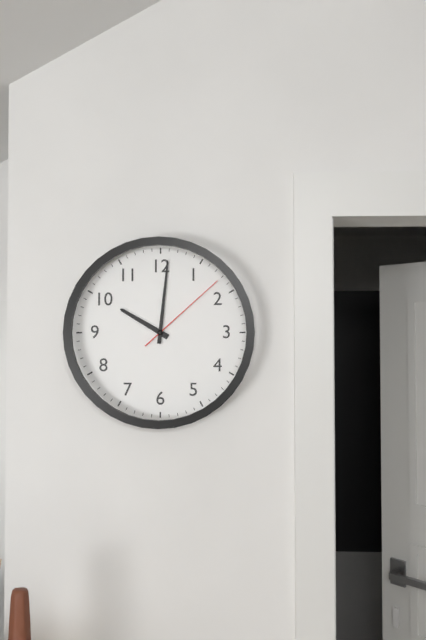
10 h 01 min 08 s
